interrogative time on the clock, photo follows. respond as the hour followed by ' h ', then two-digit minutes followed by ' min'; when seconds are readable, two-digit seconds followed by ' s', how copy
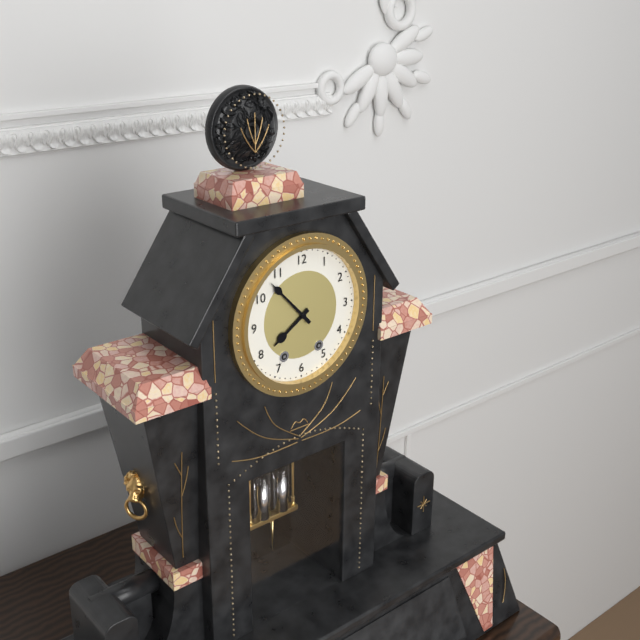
7 h 53 min
